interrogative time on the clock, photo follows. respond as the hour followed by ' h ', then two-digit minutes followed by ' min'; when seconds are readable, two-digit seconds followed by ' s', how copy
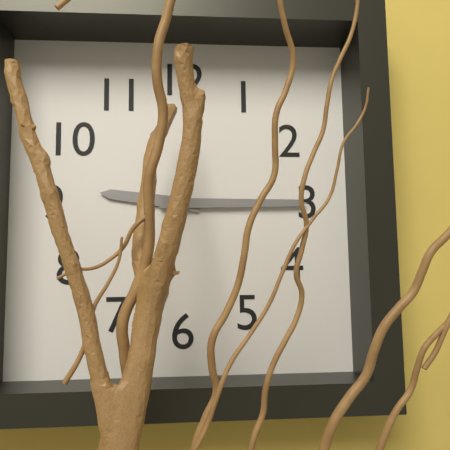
9 h 15 min
